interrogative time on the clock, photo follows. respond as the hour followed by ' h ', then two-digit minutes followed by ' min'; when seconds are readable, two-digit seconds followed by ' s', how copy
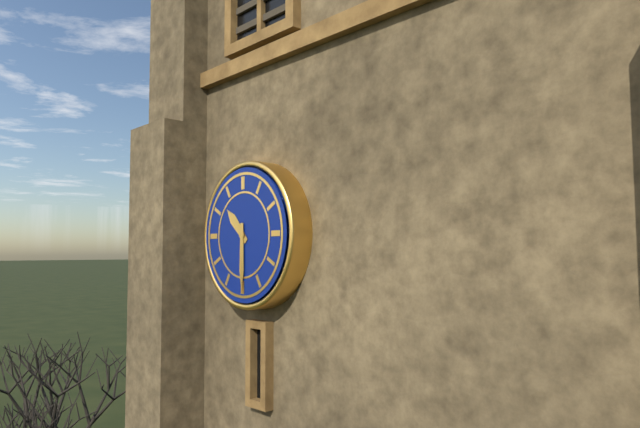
10 h 30 min
